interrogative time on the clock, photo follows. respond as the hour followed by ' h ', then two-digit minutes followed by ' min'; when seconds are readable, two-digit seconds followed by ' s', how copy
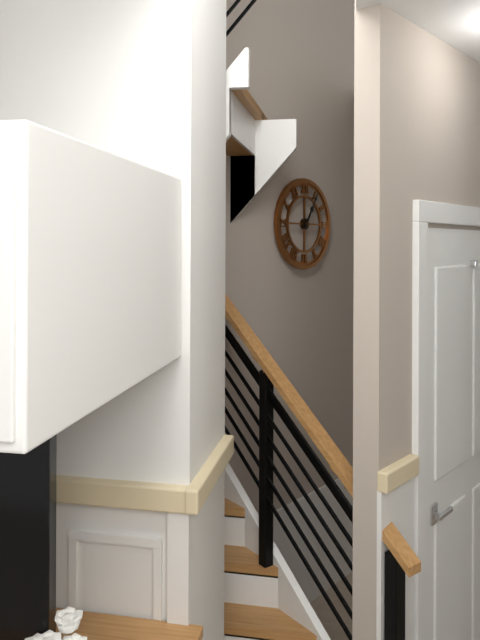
1 h 05 min
